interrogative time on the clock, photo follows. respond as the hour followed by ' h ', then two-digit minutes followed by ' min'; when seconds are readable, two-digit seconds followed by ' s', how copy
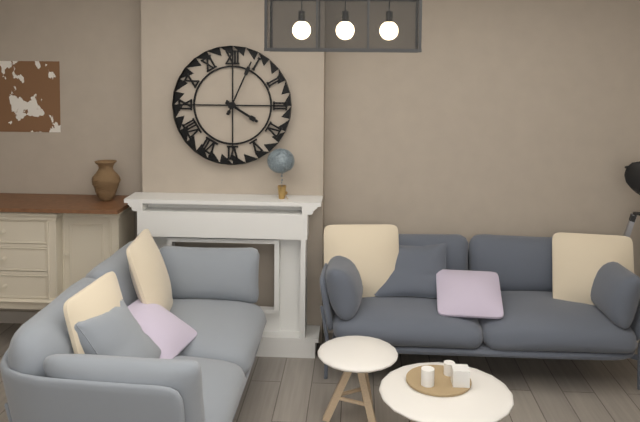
4 h 04 min
